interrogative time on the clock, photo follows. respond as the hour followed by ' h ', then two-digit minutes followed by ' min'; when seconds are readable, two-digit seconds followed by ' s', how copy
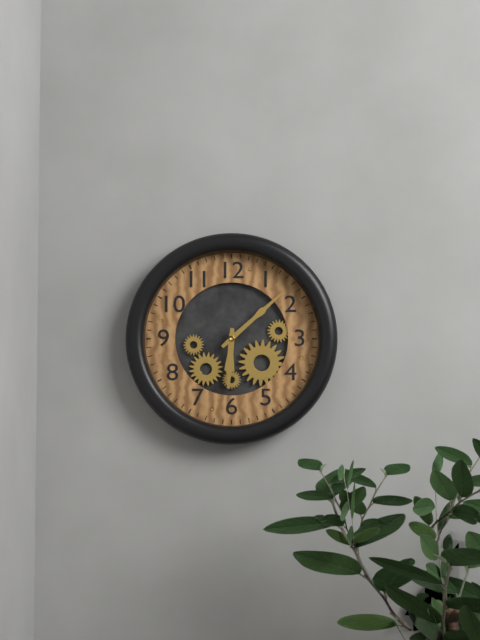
6 h 08 min
